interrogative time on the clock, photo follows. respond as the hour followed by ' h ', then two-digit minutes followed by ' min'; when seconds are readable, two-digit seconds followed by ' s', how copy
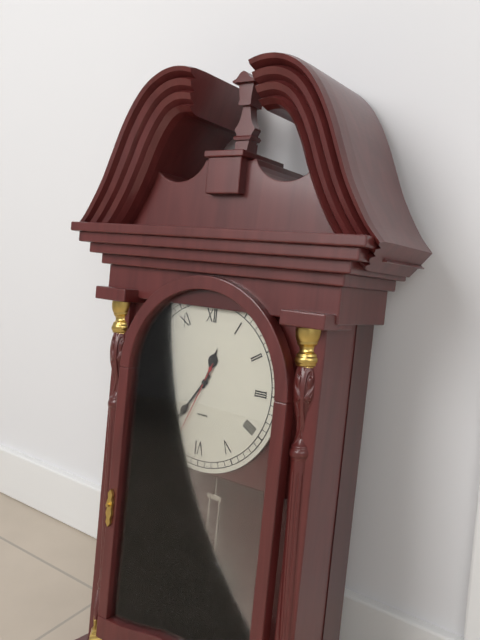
12 h 36 min 34 s
